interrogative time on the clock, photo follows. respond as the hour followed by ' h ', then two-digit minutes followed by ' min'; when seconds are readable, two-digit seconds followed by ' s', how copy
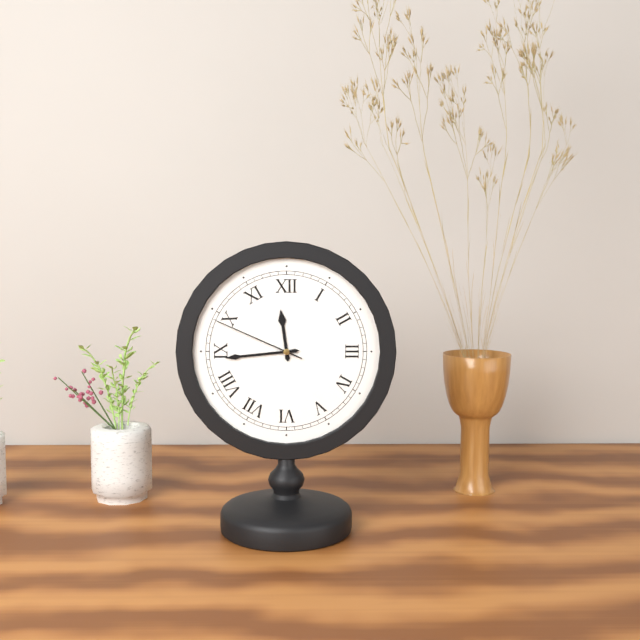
11 h 44 min 49 s
